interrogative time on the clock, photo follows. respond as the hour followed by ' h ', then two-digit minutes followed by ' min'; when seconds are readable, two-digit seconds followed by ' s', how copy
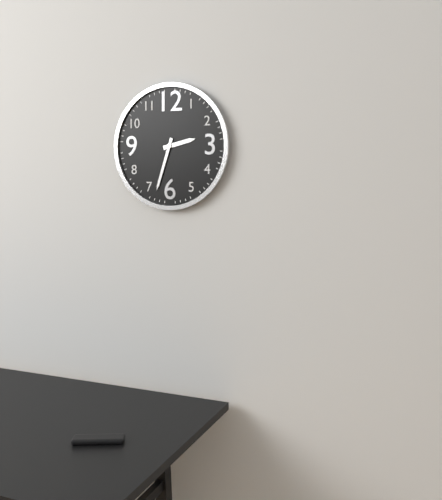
2 h 33 min
